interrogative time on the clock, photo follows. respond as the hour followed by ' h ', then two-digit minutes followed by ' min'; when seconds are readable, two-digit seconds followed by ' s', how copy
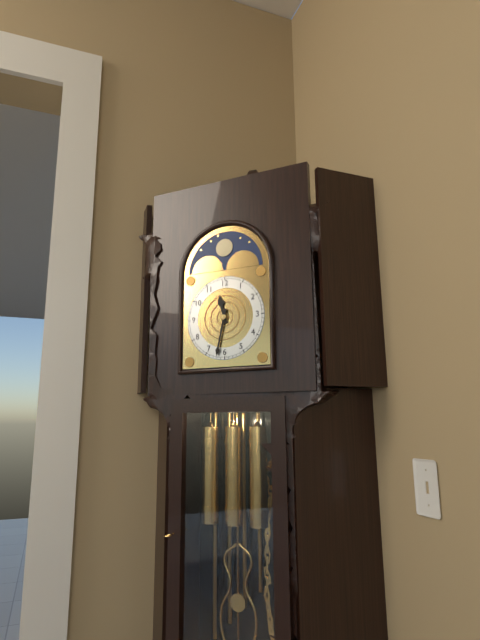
11 h 32 min
